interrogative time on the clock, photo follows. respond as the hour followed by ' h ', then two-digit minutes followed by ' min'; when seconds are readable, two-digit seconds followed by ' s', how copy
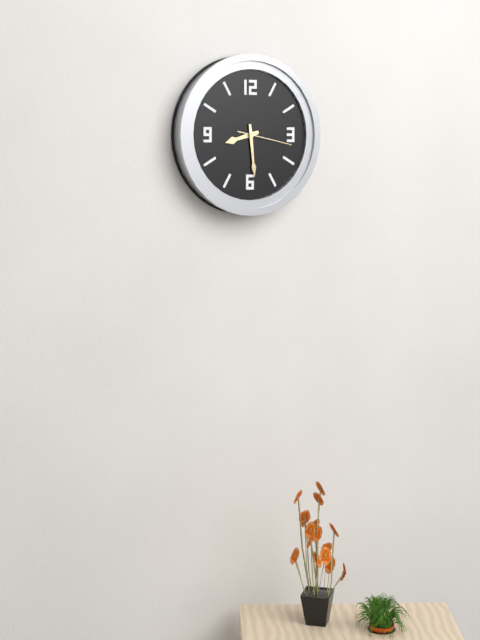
8 h 29 min 17 s
